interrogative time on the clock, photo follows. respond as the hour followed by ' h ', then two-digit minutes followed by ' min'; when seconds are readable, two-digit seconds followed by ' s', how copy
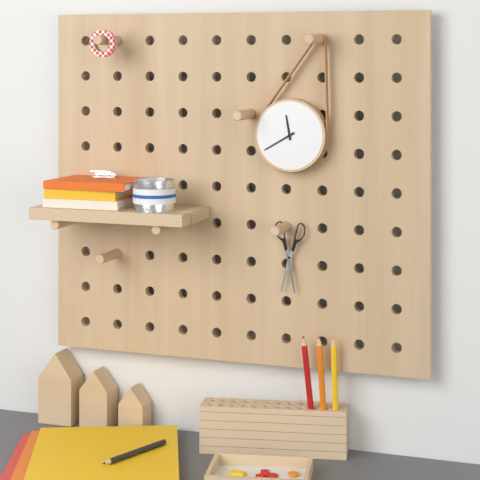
11 h 40 min
